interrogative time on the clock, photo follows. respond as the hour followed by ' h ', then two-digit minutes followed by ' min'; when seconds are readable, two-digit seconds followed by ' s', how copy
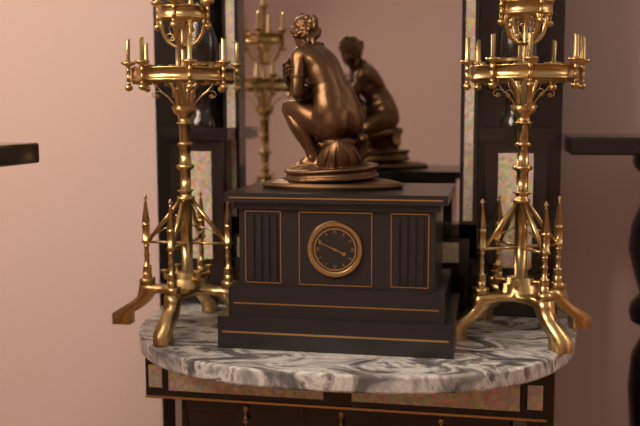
3 h 49 min
